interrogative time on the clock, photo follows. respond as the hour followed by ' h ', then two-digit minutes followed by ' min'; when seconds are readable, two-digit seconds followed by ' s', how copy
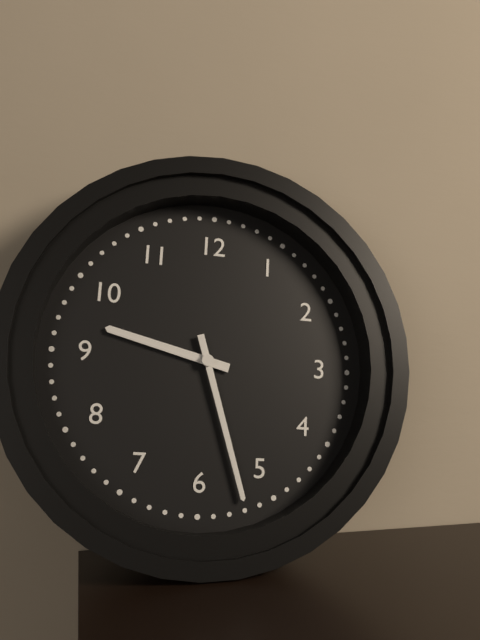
9 h 27 min
